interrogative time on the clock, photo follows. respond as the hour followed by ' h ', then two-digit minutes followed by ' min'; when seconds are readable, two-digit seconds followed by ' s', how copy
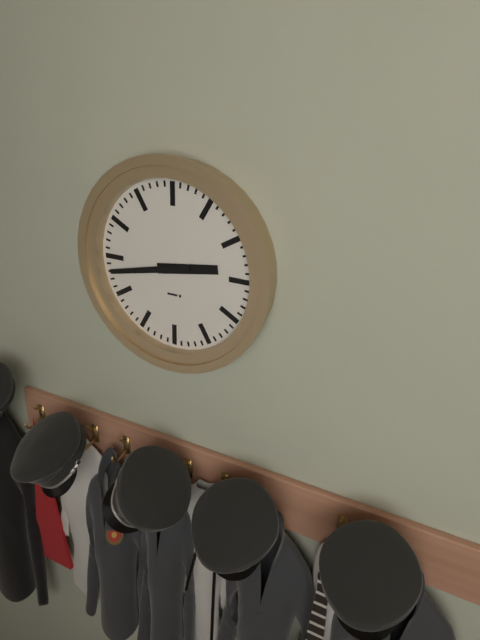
2 h 43 min
